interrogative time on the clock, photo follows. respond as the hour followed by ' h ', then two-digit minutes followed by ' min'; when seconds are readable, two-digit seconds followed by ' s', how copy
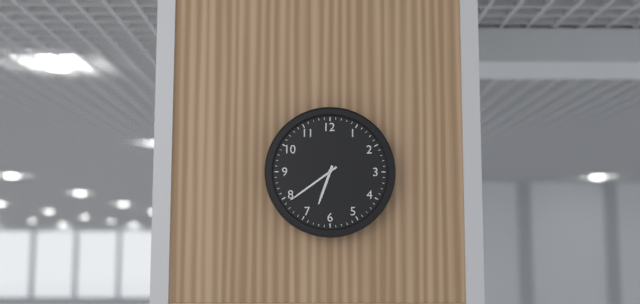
6 h 39 min
